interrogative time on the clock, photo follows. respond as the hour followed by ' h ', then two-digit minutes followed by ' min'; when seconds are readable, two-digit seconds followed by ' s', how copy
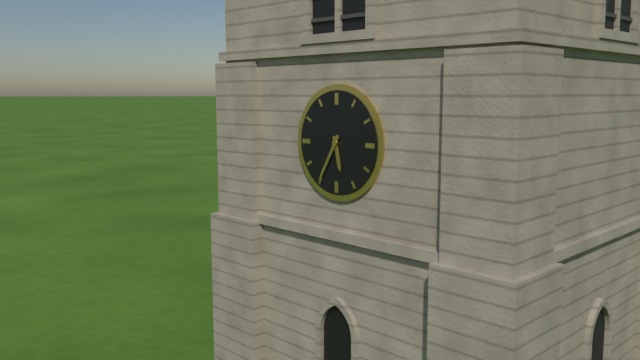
5 h 35 min
